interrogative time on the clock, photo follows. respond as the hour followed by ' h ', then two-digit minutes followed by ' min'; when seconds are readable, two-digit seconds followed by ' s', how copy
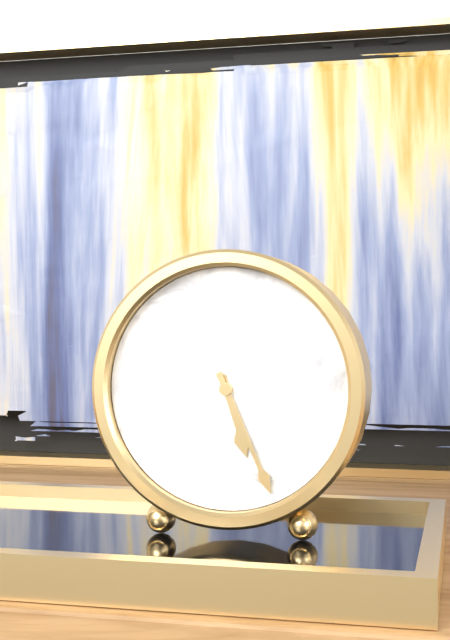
5 h 26 min
